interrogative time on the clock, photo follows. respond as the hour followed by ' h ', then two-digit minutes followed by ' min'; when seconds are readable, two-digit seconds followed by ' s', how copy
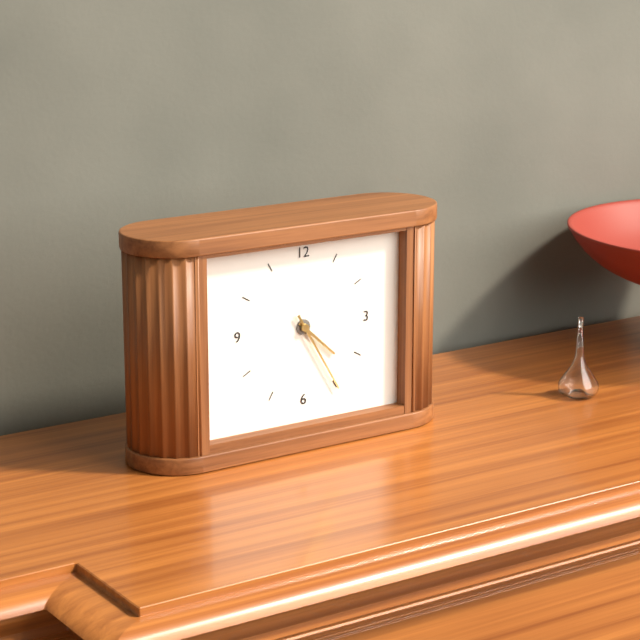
4 h 25 min
